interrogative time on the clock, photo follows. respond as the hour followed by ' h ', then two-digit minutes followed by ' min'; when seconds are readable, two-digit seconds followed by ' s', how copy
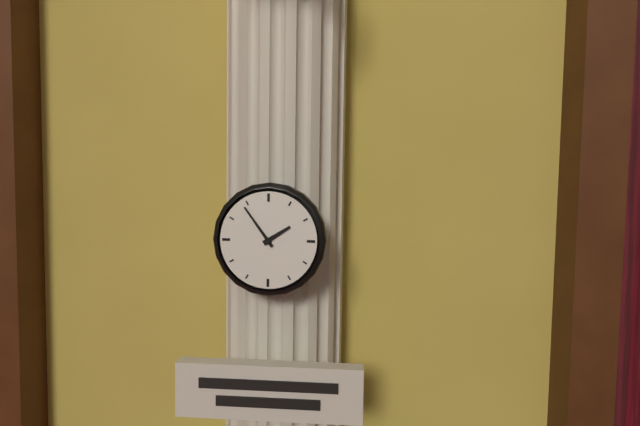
1 h 54 min
